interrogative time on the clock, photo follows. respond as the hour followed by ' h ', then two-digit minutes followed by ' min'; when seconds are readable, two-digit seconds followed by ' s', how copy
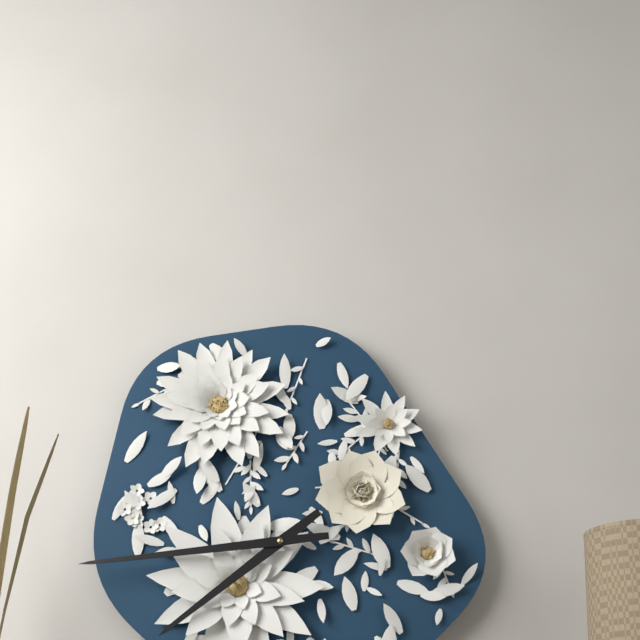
7 h 44 min
